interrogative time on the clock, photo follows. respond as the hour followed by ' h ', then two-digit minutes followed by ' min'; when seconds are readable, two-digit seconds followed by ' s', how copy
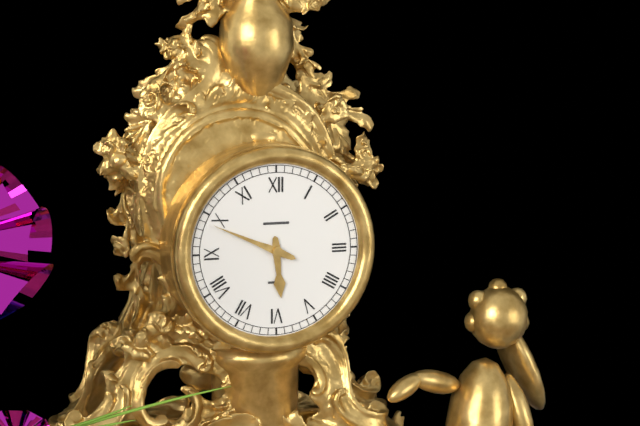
5 h 49 min
